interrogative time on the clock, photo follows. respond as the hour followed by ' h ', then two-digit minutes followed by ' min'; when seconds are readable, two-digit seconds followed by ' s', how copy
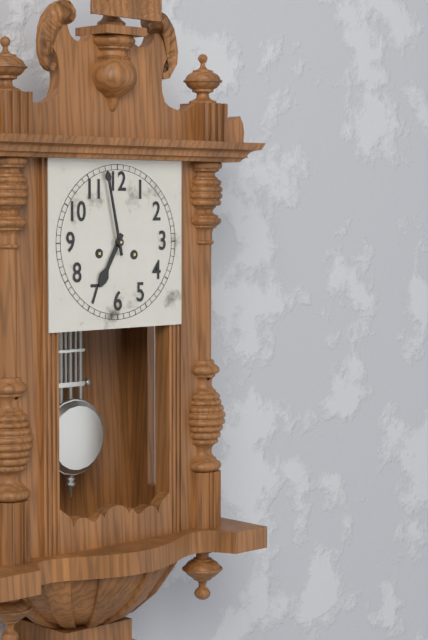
6 h 58 min
